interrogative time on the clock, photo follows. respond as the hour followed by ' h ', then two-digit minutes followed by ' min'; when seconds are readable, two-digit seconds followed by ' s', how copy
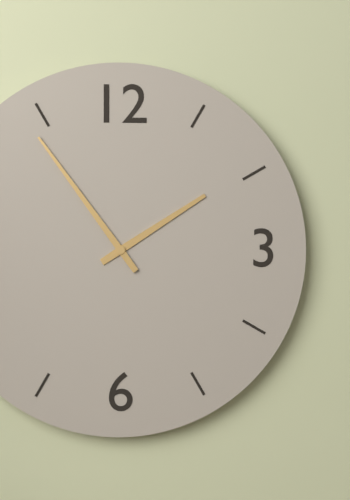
1 h 54 min
